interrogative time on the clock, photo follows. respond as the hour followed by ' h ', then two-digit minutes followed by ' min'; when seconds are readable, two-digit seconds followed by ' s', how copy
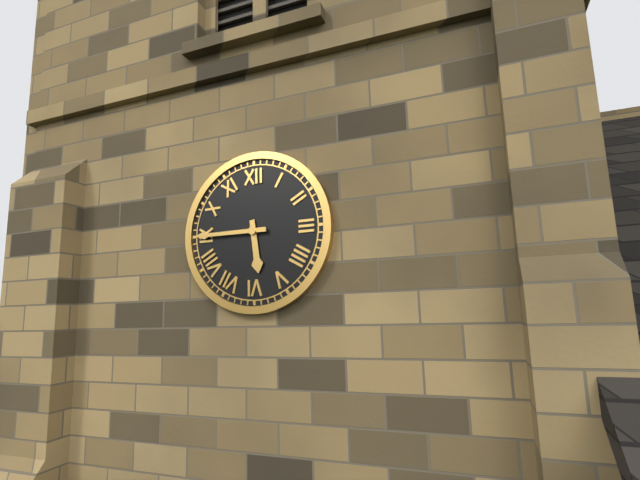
5 h 45 min
